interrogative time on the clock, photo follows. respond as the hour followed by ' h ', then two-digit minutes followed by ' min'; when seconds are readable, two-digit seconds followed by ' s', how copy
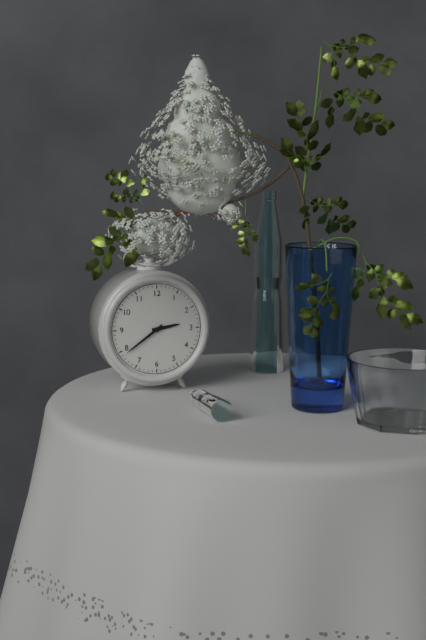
2 h 39 min
